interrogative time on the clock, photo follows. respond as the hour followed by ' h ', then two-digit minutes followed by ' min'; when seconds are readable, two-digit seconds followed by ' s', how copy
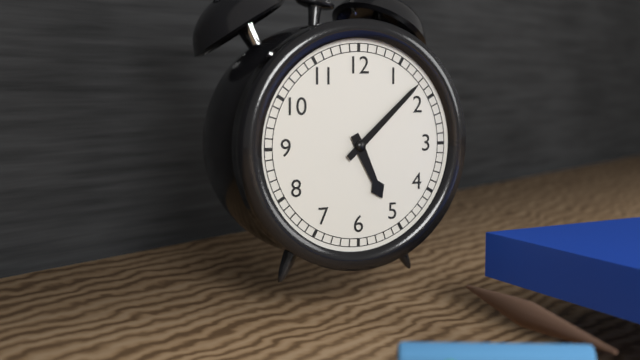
5 h 08 min
